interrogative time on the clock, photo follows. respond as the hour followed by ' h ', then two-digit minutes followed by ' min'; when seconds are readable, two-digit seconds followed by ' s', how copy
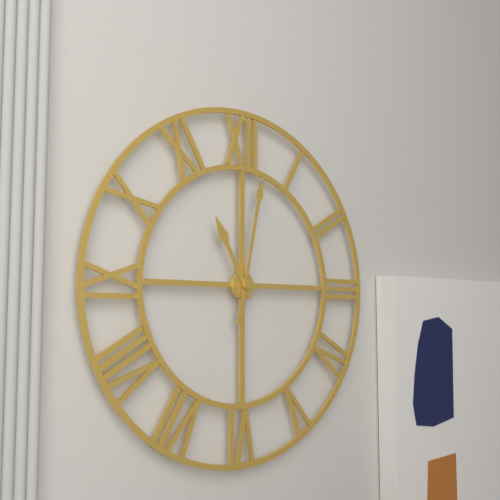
11 h 02 min
